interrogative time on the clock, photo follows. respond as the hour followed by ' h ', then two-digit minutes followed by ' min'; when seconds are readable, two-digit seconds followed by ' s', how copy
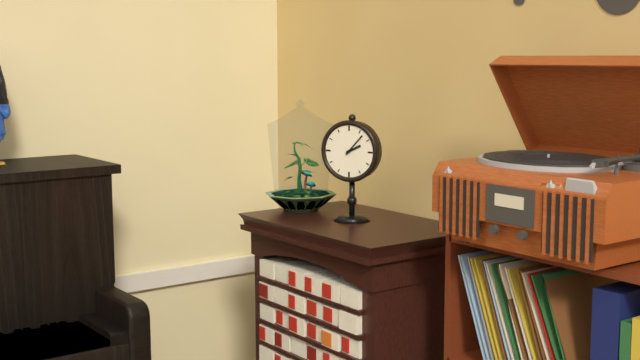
2 h 07 min
